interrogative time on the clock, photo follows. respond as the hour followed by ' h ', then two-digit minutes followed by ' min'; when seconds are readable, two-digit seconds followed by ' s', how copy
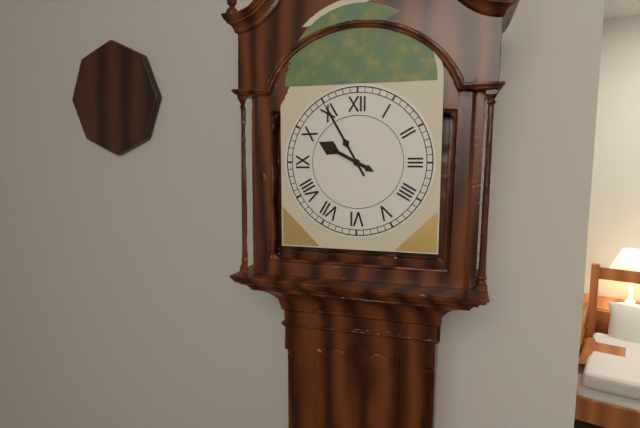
9 h 55 min
